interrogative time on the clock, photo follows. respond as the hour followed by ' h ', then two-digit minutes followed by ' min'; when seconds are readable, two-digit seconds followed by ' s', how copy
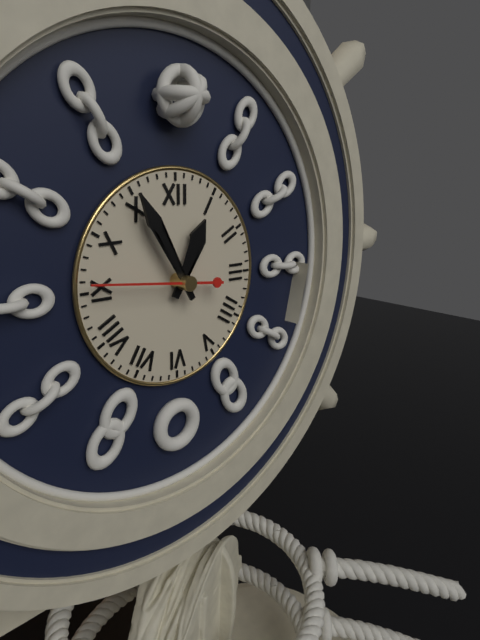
12 h 55 min 46 s
